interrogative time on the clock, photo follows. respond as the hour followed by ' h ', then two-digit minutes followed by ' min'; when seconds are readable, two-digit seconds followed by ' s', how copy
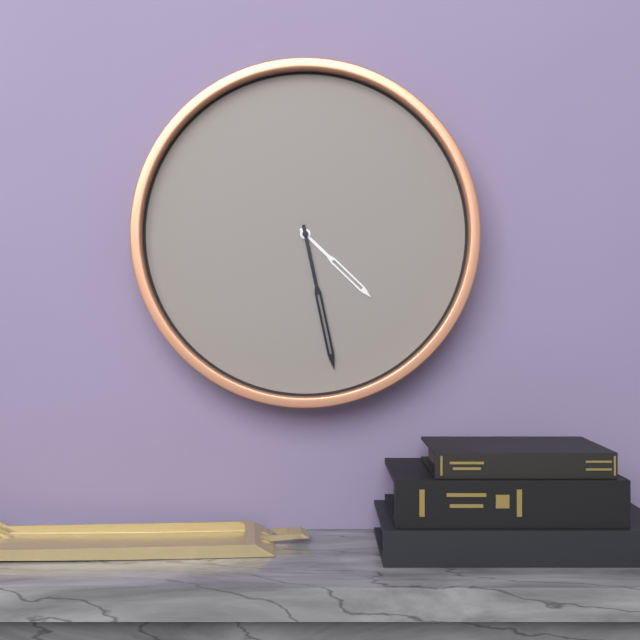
4 h 28 min
